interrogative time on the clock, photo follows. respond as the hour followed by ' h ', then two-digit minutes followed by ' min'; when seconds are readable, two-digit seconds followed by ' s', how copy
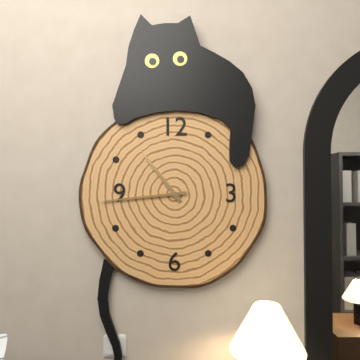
10 h 44 min
